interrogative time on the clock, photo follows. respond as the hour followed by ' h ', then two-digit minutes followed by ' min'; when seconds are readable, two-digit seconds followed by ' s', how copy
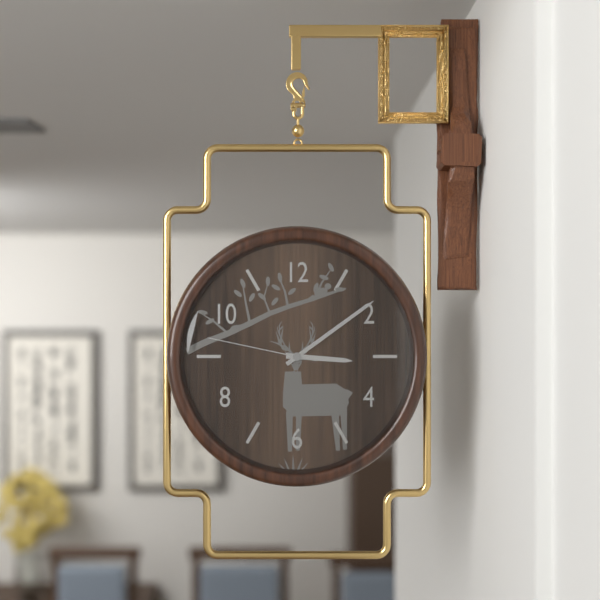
3 h 09 min 47 s
